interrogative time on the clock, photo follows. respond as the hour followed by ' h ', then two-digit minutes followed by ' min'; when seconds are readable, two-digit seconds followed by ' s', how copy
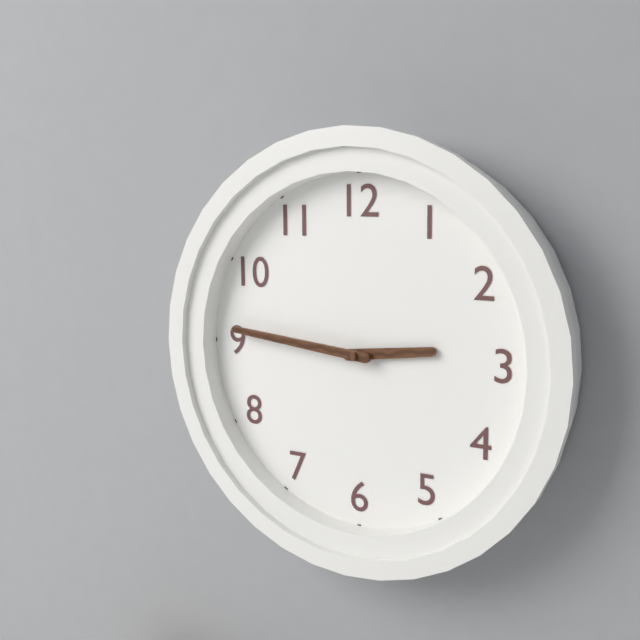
2 h 46 min
